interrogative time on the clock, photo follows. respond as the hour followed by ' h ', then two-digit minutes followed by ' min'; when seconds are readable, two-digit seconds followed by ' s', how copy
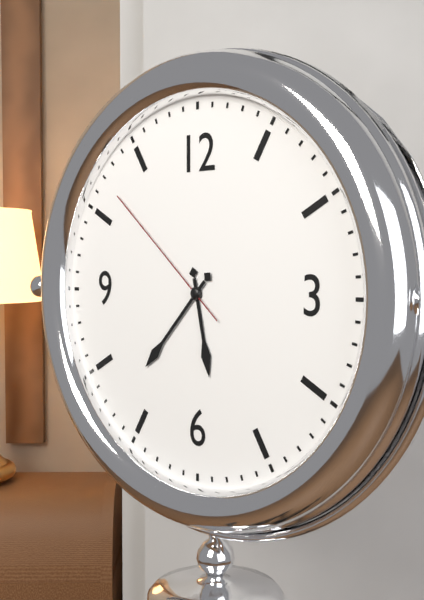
5 h 37 min 52 s
